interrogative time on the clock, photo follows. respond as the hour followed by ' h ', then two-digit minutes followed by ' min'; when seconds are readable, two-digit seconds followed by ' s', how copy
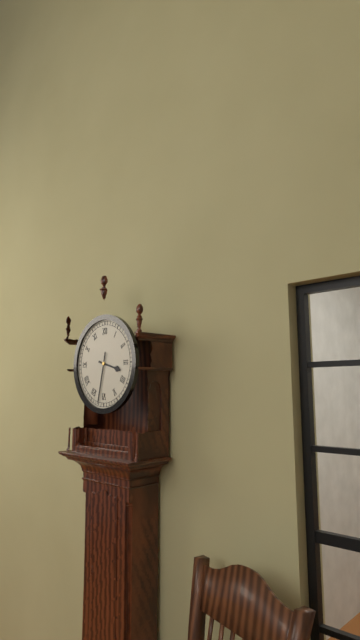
3 h 32 min
